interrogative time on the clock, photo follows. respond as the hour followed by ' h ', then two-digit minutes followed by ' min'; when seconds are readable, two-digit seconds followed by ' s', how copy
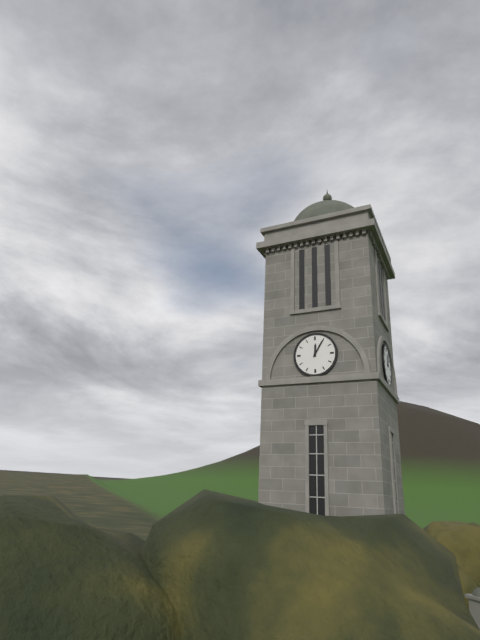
12 h 05 min
